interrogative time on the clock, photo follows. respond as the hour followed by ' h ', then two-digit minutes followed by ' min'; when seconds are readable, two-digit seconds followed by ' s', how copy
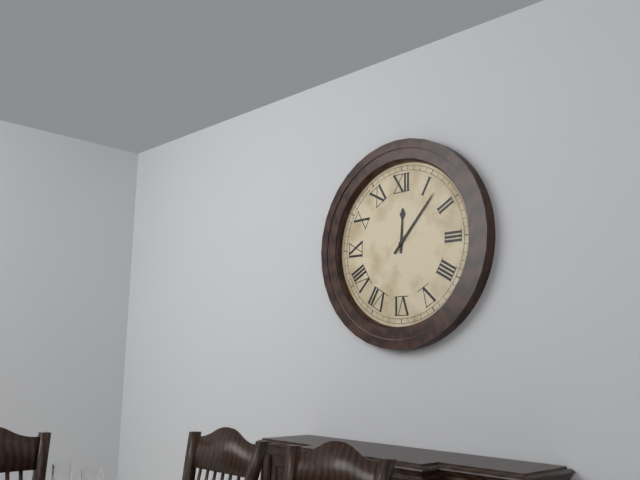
12 h 07 min
